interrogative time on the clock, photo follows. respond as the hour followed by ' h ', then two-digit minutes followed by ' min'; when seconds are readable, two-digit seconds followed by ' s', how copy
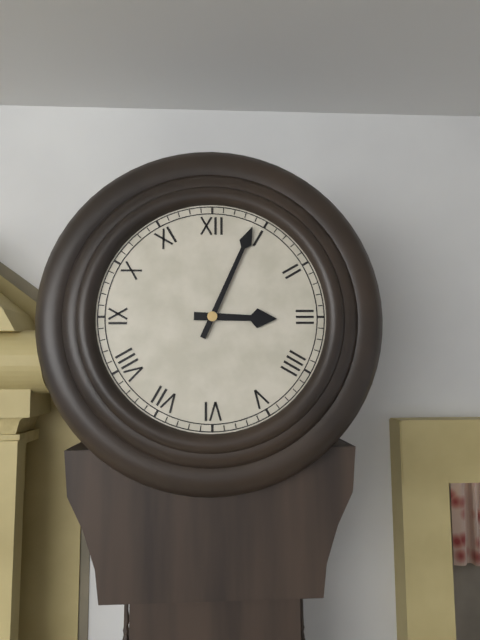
3 h 04 min
